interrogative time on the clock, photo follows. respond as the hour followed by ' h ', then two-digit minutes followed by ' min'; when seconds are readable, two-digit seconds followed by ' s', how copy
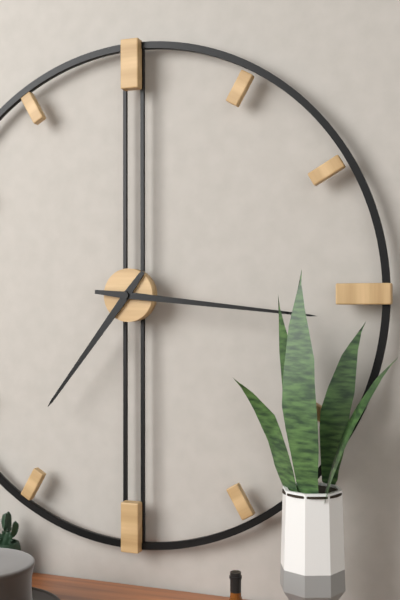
7 h 16 min
